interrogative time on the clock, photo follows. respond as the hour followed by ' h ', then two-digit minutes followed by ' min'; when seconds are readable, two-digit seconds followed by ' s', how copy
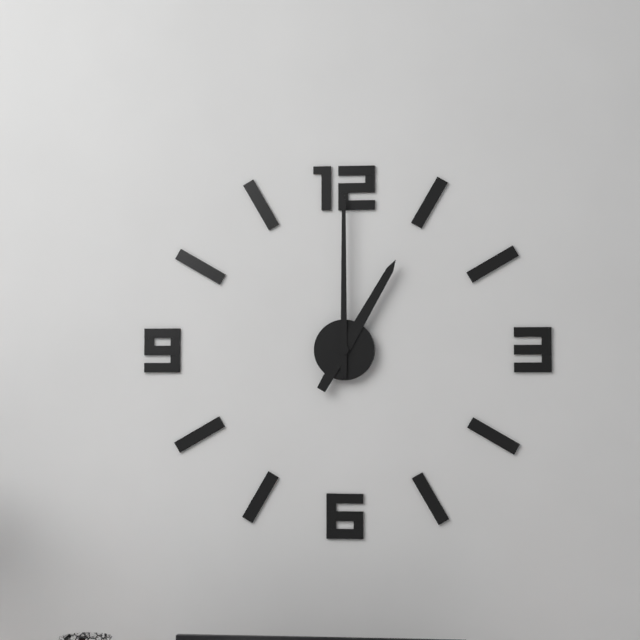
1 h 00 min
